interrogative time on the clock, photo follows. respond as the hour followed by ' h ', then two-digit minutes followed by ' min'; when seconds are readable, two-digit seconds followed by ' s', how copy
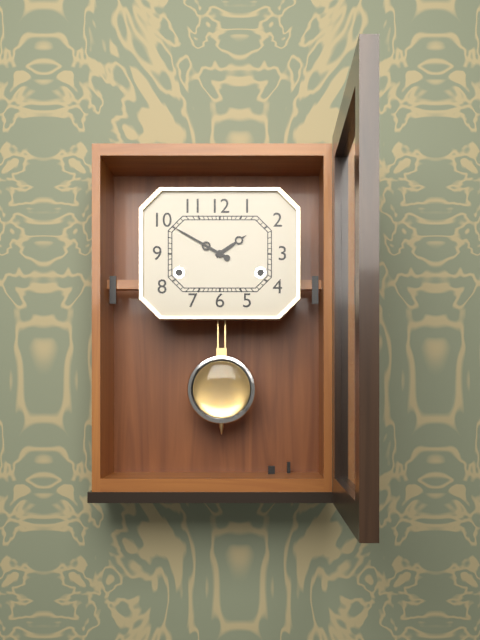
1 h 50 min
